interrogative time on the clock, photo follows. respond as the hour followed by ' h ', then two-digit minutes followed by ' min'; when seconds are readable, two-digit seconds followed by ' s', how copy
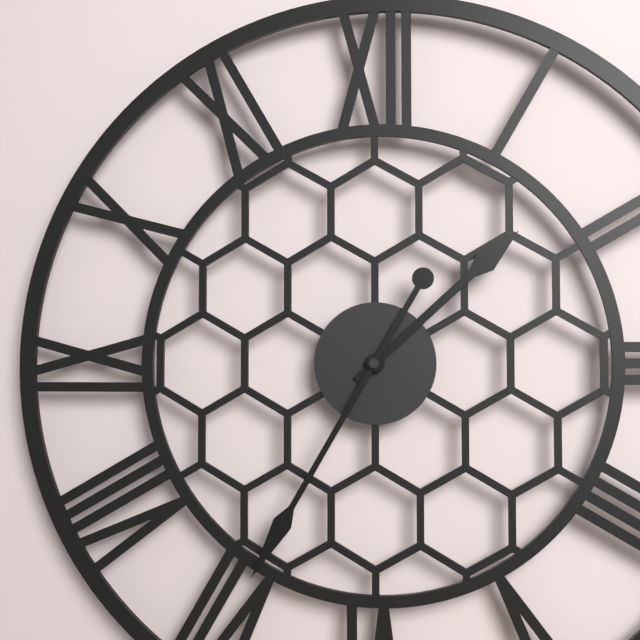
1 h 35 min
